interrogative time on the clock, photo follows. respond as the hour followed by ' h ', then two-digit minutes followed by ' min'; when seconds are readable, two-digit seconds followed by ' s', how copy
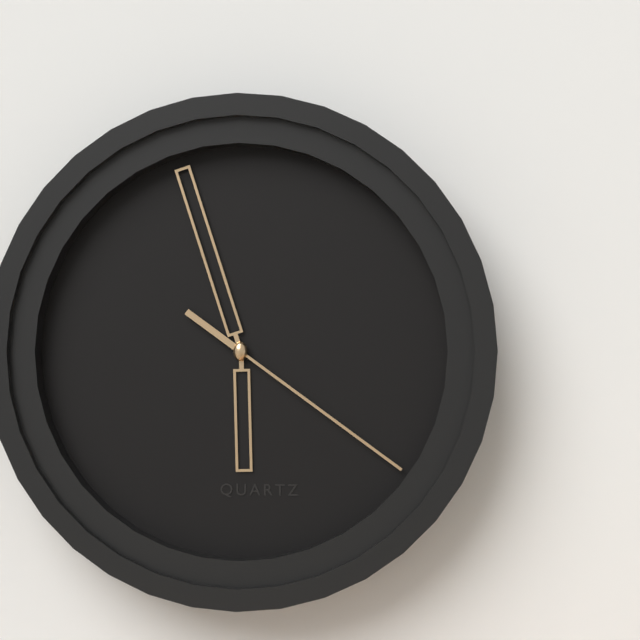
5 h 57 min 21 s
